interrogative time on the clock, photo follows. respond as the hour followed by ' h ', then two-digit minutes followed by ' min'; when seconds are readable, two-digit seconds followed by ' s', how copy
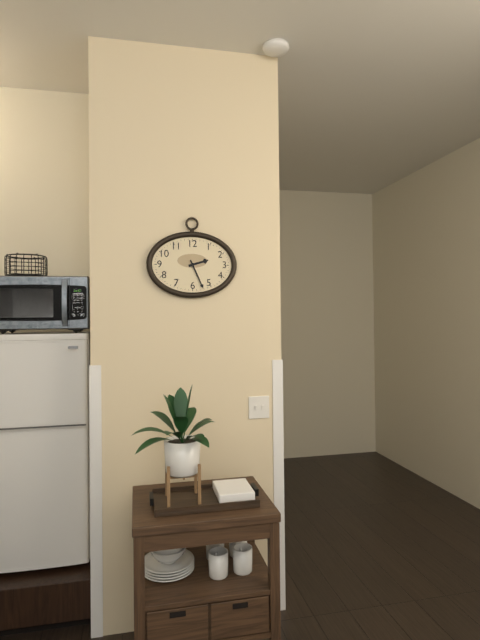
2 h 26 min
